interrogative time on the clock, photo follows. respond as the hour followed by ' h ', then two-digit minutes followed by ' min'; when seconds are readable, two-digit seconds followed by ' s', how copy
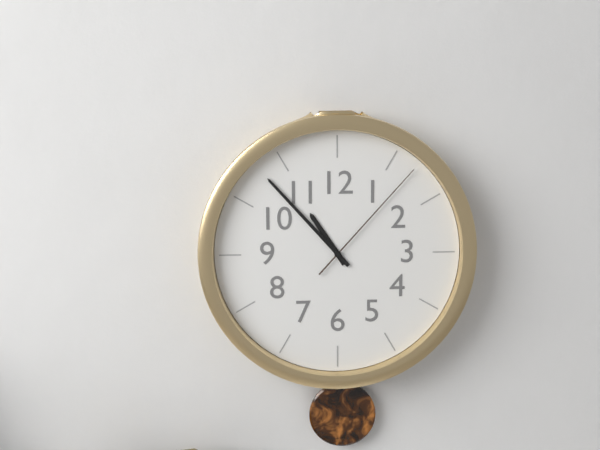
10 h 53 min 07 s
